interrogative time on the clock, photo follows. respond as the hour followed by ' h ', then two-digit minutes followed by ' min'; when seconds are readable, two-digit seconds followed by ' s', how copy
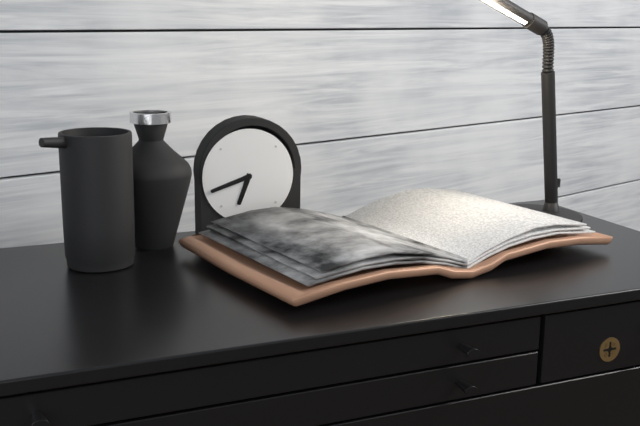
6 h 42 min
